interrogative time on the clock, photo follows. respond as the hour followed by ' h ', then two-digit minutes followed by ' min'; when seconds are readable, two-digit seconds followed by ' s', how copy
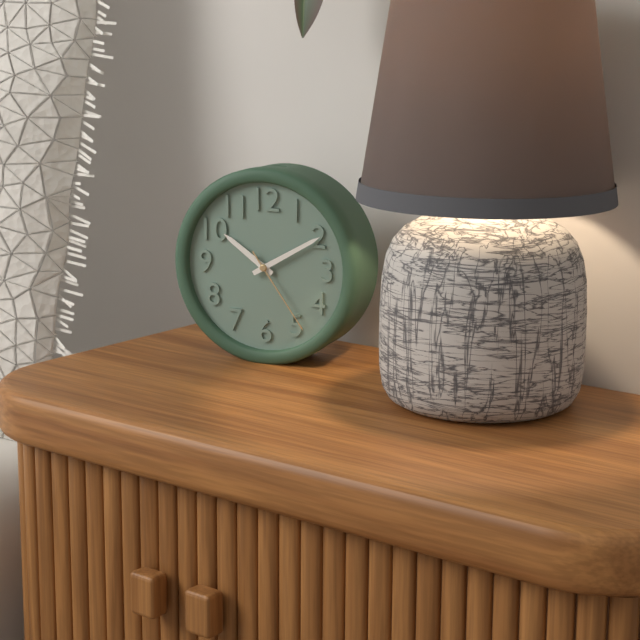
10 h 10 min 24 s
